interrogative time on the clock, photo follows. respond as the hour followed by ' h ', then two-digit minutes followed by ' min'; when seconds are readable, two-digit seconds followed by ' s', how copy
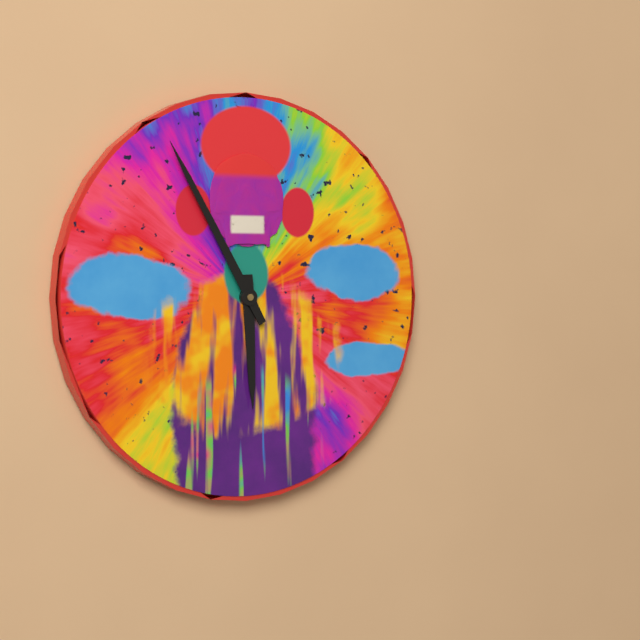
5 h 55 min
